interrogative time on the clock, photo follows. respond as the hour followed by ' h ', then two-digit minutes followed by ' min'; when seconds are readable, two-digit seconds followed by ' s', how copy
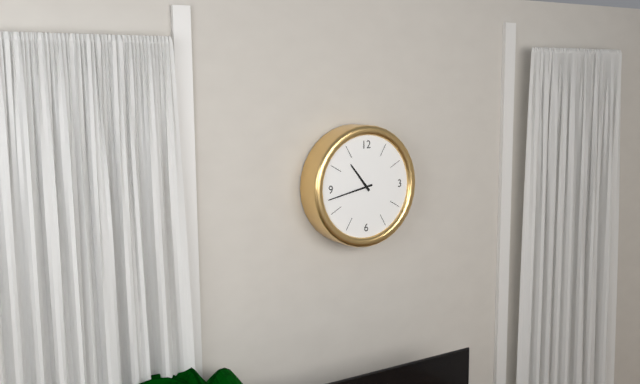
10 h 43 min
